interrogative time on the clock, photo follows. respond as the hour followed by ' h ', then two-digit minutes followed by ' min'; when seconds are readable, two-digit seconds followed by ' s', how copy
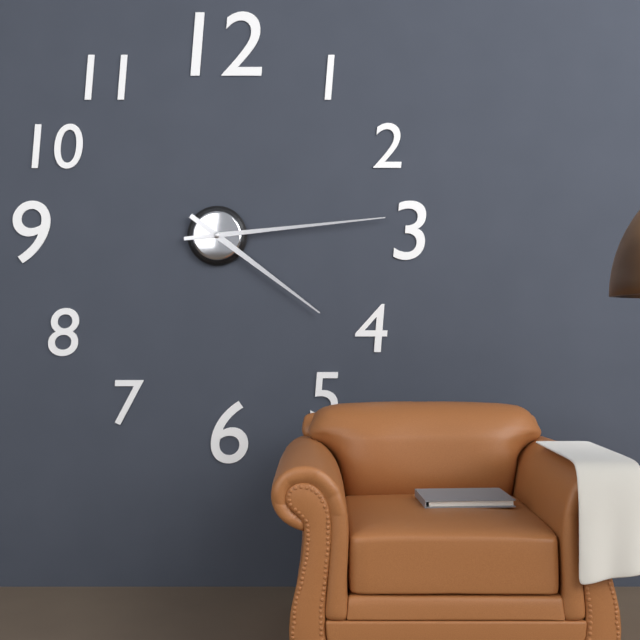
4 h 14 min
